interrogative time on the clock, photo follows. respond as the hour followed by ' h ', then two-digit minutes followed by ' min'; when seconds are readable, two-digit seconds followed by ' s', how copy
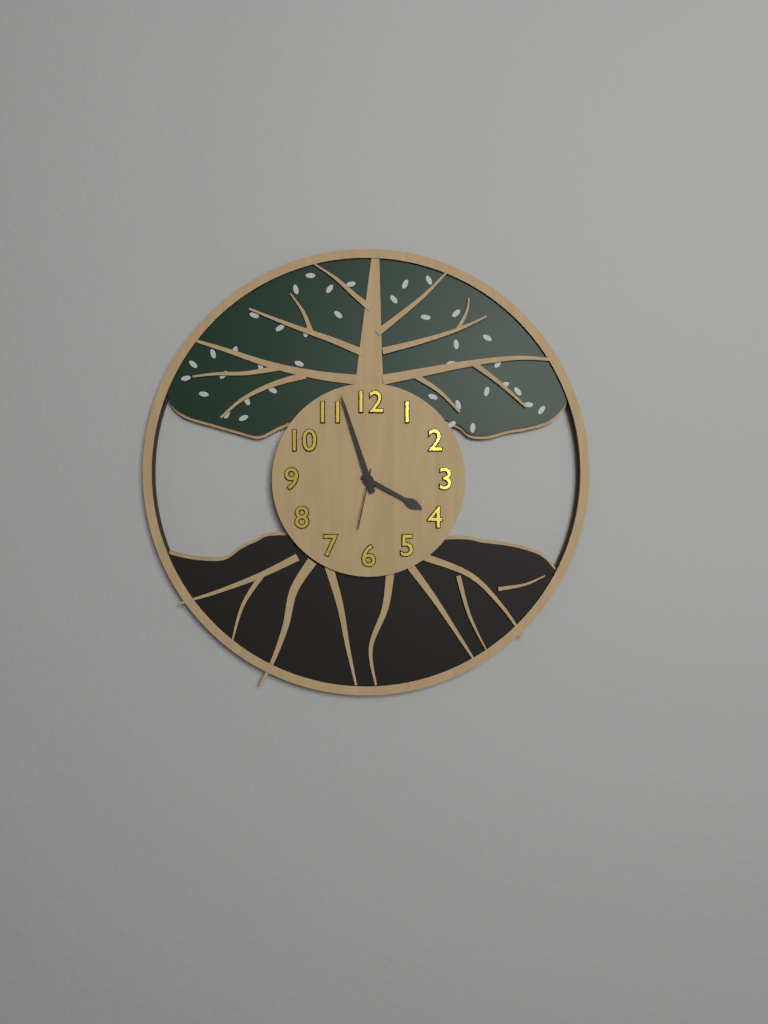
3 h 57 min 32 s
